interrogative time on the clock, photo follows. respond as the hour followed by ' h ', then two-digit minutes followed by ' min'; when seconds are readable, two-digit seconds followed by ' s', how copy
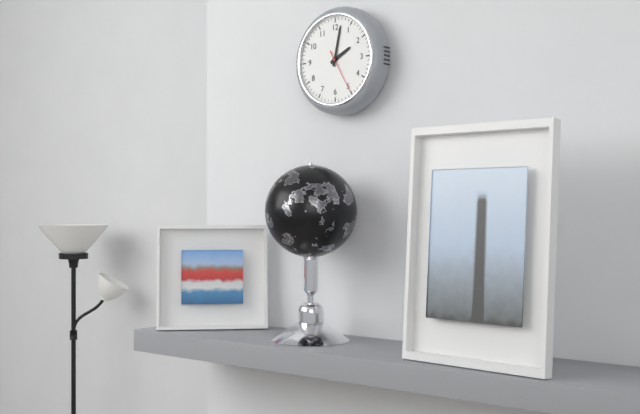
2 h 02 min
